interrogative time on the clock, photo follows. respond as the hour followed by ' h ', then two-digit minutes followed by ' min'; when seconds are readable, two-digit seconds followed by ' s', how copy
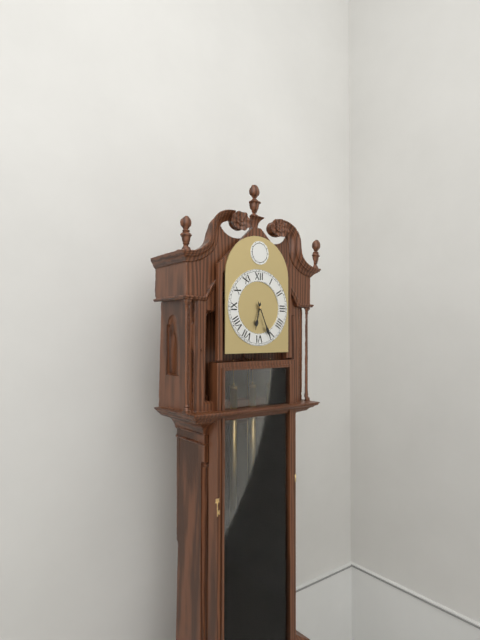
6 h 26 min
